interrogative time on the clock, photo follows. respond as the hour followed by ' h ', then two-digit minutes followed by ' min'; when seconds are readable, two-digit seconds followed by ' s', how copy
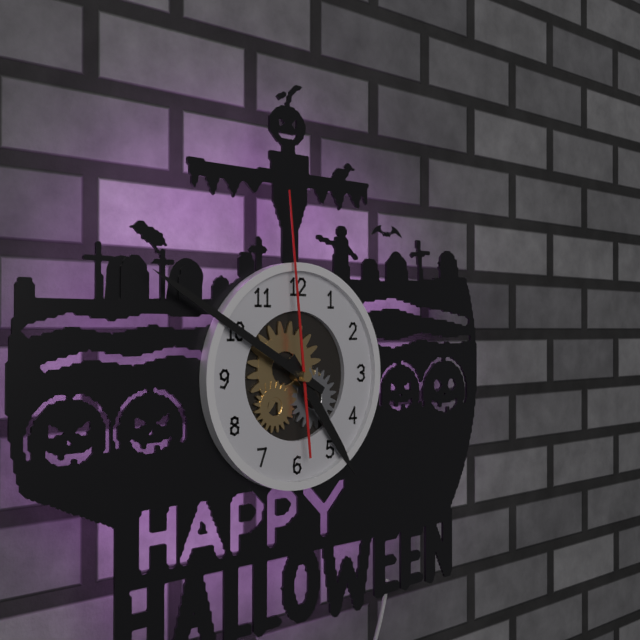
4 h 50 min 59 s
